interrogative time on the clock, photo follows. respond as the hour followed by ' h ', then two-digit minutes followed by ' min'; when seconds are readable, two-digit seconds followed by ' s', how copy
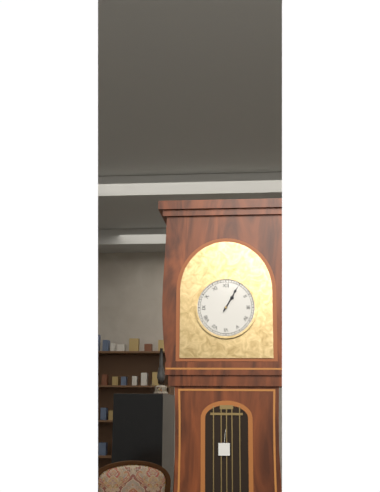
1 h 05 min
